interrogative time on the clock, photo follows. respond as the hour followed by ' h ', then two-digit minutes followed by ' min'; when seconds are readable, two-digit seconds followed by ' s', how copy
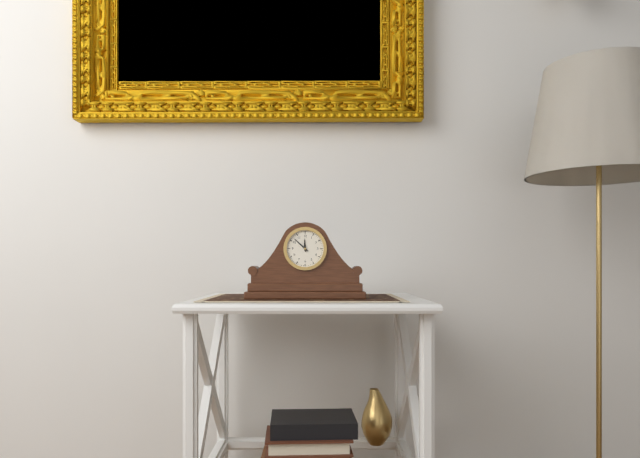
11 h 52 min
